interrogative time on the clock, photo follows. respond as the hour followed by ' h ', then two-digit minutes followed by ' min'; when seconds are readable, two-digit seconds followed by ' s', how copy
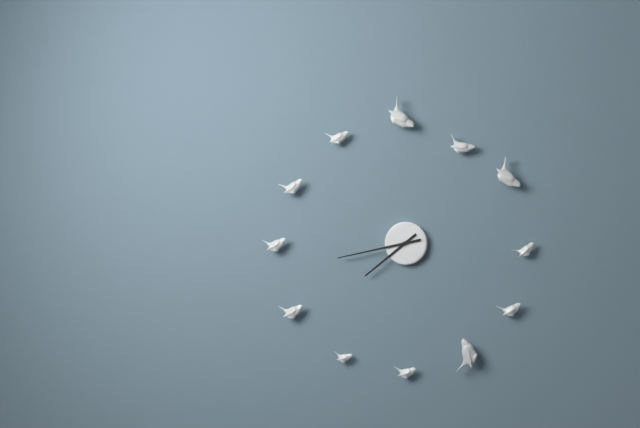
7 h 43 min
